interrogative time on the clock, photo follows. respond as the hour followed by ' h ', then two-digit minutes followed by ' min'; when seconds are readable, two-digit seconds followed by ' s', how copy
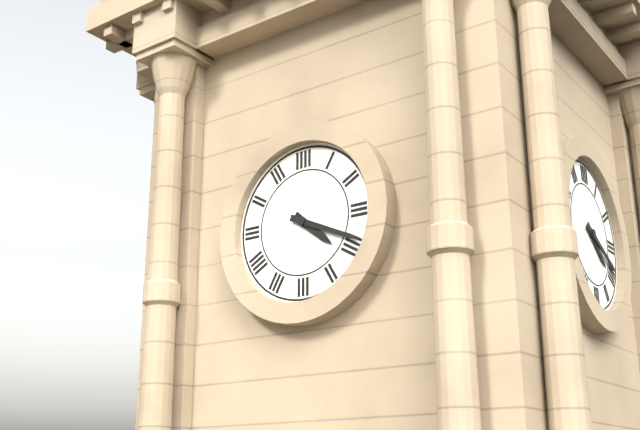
4 h 19 min
